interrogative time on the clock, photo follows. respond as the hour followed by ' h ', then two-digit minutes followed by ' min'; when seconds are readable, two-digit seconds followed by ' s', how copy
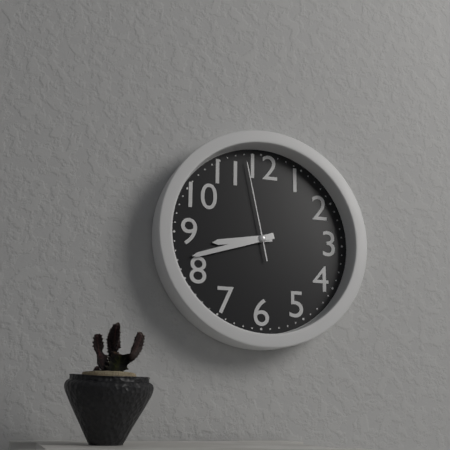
8 h 42 min 58 s
